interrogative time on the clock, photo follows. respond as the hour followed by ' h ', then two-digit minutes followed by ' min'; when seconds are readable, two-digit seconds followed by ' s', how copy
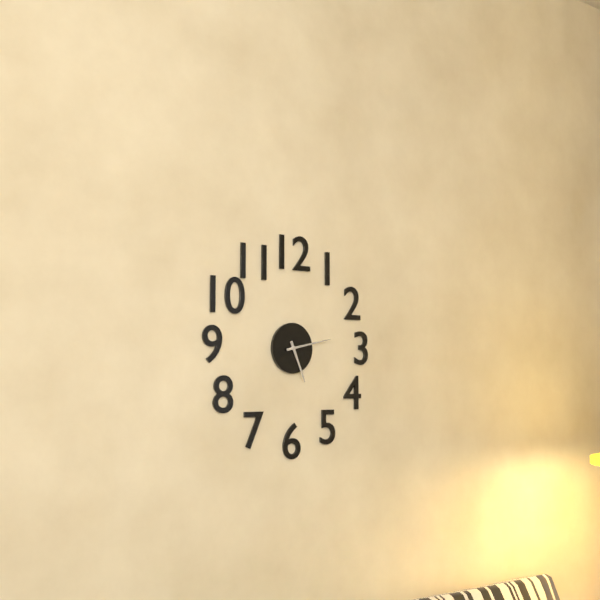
5 h 13 min
